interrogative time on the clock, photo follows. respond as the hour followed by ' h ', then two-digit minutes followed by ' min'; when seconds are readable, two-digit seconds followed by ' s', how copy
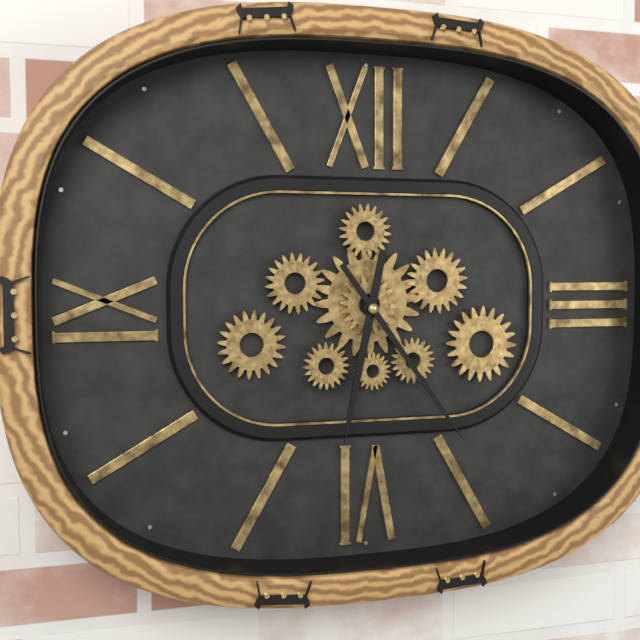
6 h 24 min
